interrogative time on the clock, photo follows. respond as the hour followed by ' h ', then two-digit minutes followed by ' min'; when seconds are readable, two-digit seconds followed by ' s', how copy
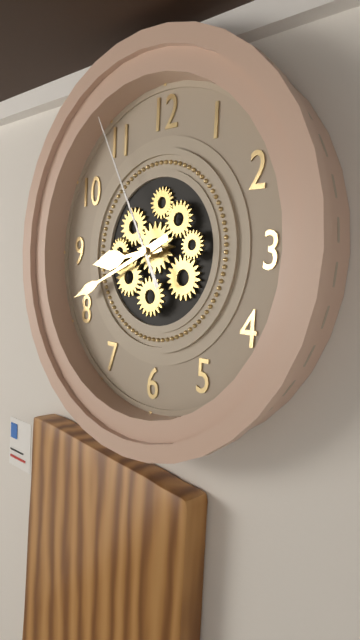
8 h 41 min 55 s
